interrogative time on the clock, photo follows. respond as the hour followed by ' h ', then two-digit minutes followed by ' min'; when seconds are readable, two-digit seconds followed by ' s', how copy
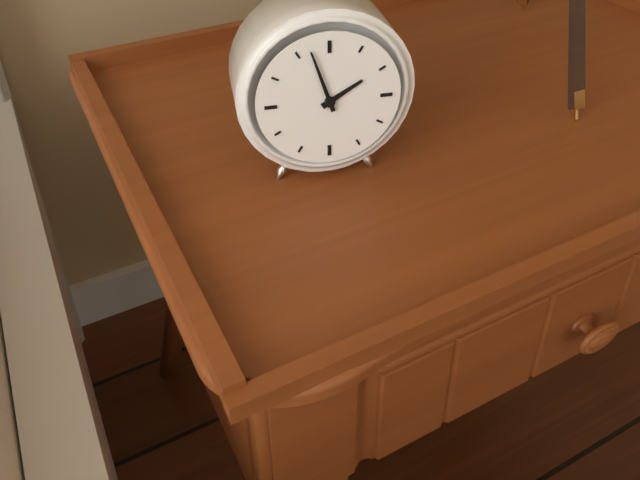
1 h 57 min
